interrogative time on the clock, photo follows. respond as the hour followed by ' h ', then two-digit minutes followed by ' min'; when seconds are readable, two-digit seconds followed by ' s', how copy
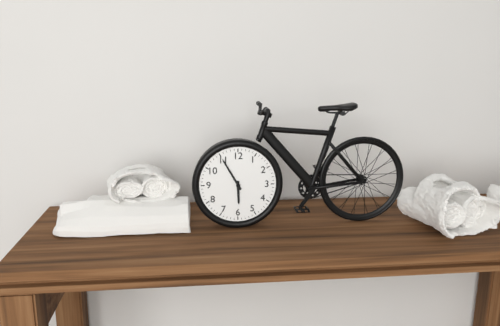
5 h 55 min
